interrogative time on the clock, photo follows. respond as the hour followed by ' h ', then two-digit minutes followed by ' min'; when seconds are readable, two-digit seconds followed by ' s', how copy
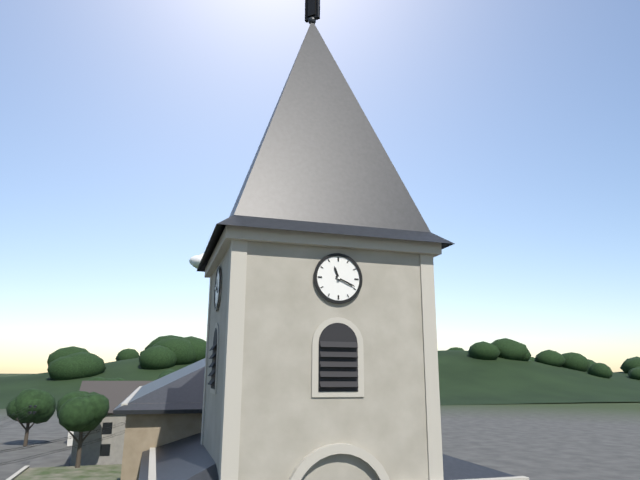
11 h 19 min
